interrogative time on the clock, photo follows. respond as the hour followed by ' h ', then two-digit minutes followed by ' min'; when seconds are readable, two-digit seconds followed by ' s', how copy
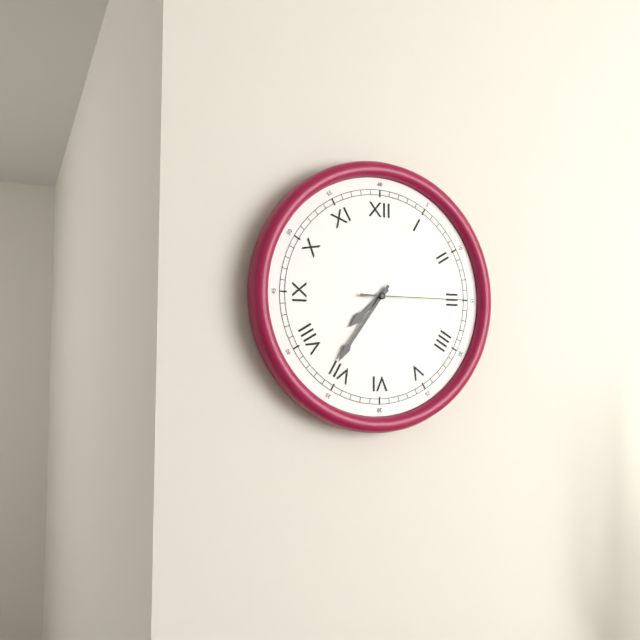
7 h 36 min 15 s
